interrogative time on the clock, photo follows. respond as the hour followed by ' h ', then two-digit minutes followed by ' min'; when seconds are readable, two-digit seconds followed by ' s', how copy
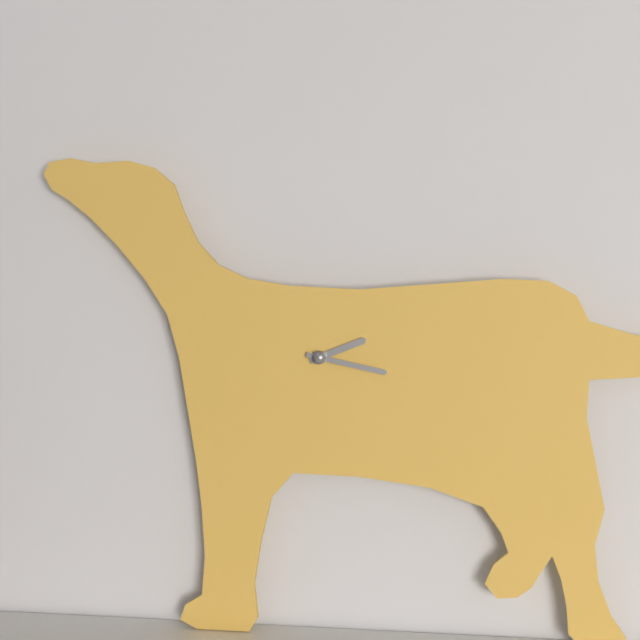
2 h 17 min
